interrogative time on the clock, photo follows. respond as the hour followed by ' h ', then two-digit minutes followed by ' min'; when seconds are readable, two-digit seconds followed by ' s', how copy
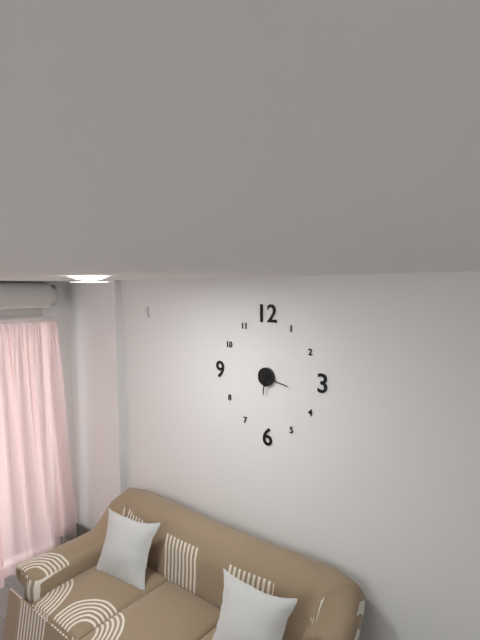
6 h 17 min
